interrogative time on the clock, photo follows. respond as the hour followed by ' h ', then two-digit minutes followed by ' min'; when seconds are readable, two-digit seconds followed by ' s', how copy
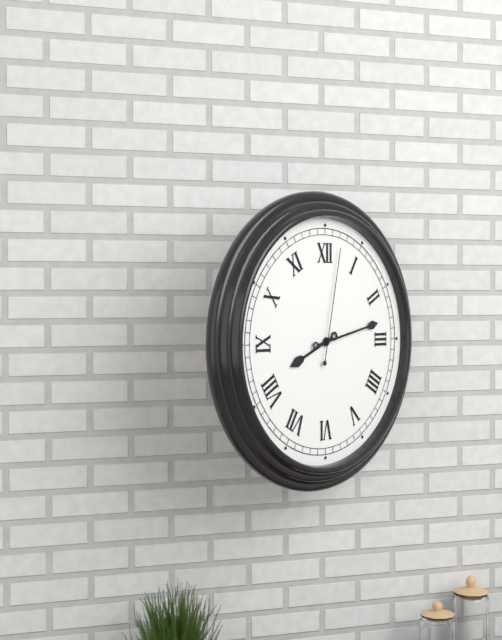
8 h 13 min 02 s
